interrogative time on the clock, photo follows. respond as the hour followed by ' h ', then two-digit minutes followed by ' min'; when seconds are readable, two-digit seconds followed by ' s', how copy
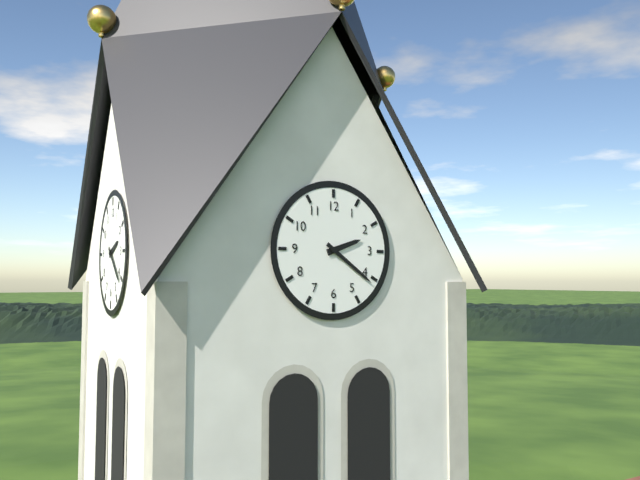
2 h 21 min
